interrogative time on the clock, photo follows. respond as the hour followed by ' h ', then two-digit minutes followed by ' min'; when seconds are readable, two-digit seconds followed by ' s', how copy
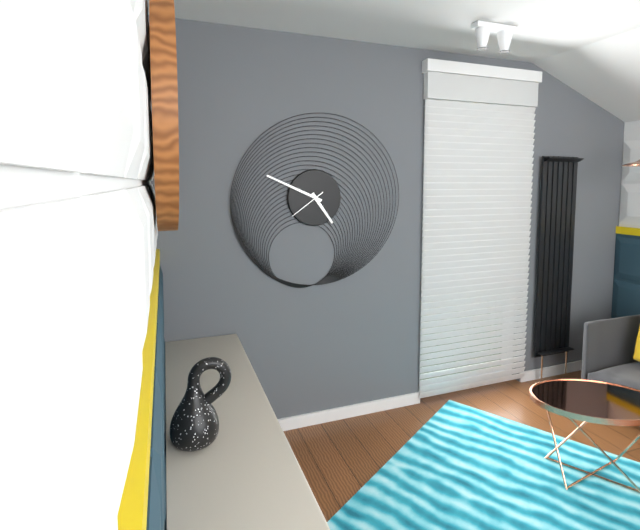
4 h 49 min
